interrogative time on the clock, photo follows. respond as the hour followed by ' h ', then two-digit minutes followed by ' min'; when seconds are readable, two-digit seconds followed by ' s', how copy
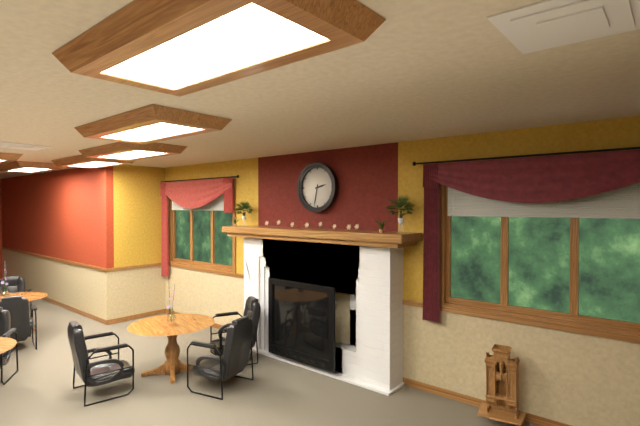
2 h 32 min
